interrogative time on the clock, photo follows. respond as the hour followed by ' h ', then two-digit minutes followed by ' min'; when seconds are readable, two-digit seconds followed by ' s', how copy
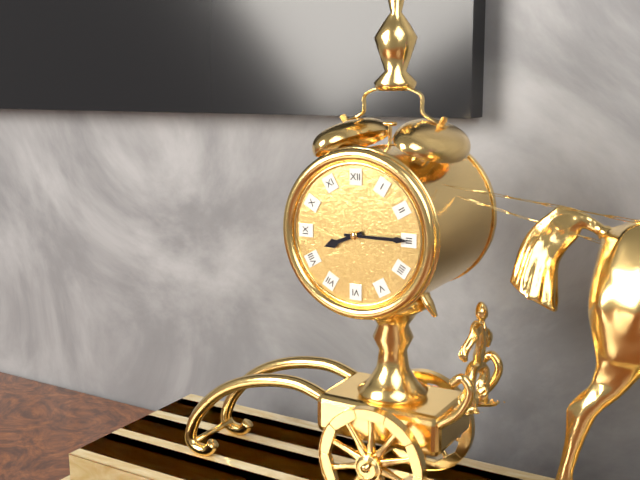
8 h 15 min
